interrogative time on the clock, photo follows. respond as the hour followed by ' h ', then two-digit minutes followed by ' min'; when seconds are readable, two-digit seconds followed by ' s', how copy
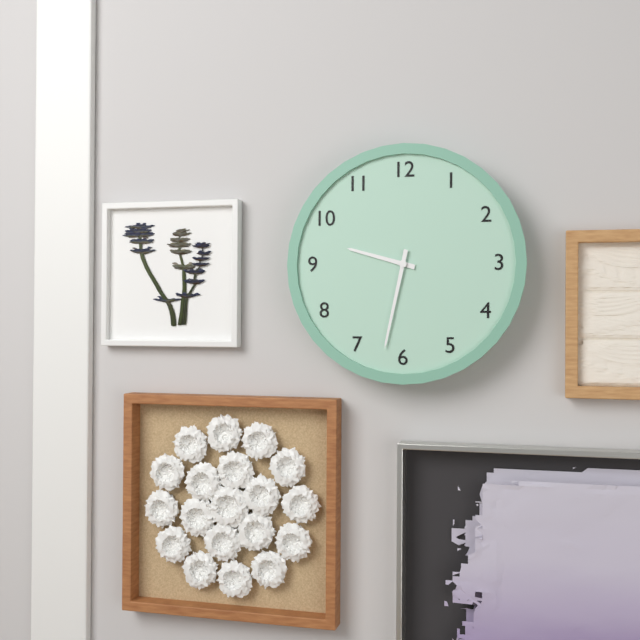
9 h 32 min
